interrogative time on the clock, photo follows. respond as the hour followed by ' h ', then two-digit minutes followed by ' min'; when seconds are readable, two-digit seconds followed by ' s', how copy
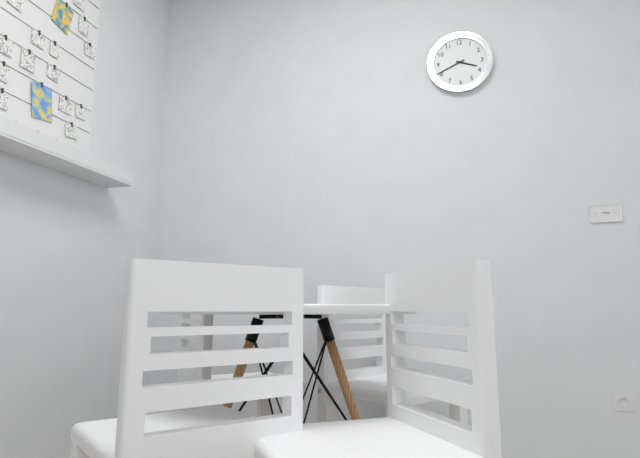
3 h 41 min
